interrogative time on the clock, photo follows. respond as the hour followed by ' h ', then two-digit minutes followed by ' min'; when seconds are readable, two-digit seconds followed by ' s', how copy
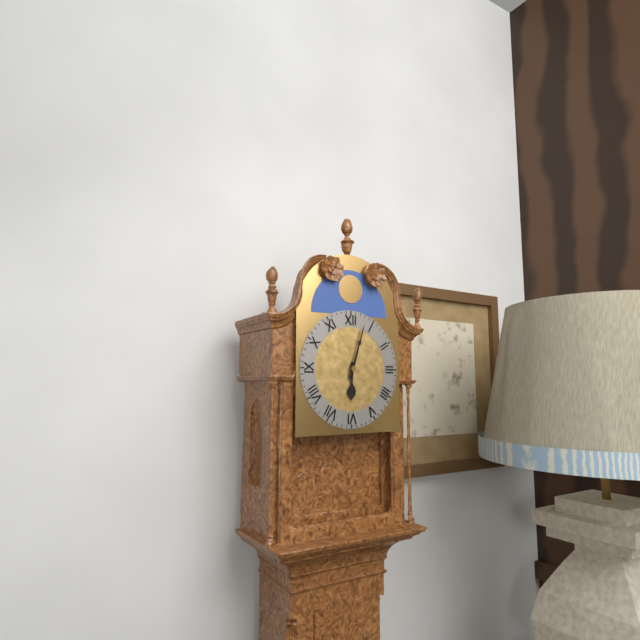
6 h 03 min
